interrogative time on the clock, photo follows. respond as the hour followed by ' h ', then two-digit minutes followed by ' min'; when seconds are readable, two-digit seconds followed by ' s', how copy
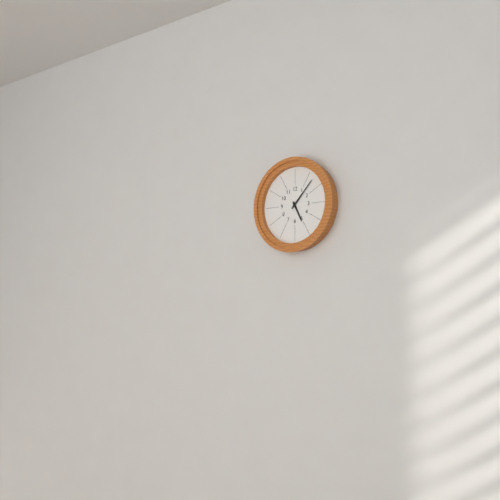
5 h 07 min
